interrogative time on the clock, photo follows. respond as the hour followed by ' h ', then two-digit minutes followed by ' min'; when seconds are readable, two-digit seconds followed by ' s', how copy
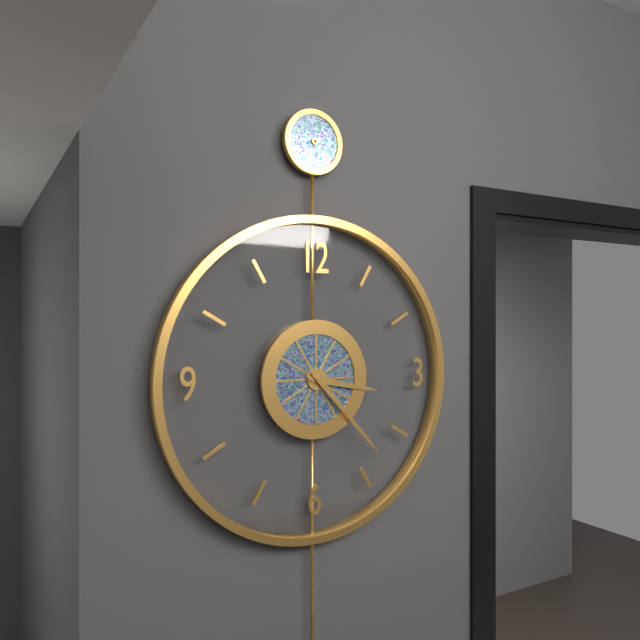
3 h 23 min
